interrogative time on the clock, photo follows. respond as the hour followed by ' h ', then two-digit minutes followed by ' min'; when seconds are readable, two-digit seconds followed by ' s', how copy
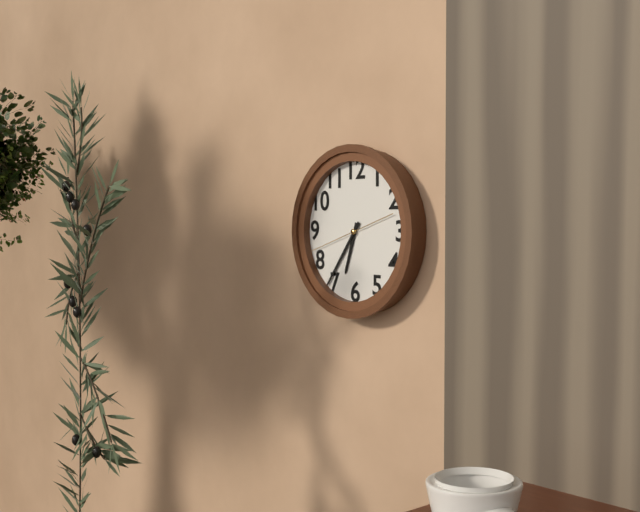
6 h 36 min 42 s
